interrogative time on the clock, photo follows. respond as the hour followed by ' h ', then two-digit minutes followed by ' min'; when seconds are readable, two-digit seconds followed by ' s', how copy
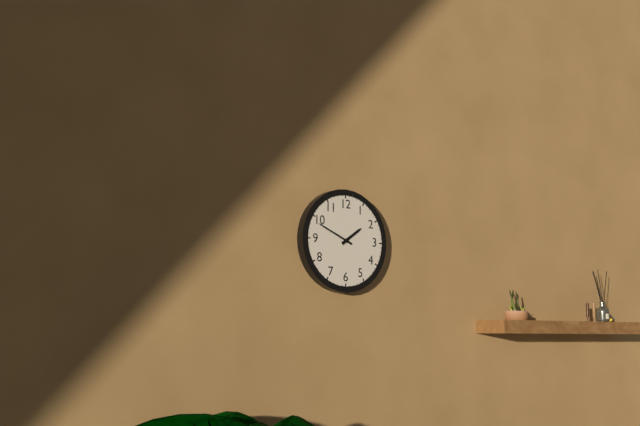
1 h 49 min
